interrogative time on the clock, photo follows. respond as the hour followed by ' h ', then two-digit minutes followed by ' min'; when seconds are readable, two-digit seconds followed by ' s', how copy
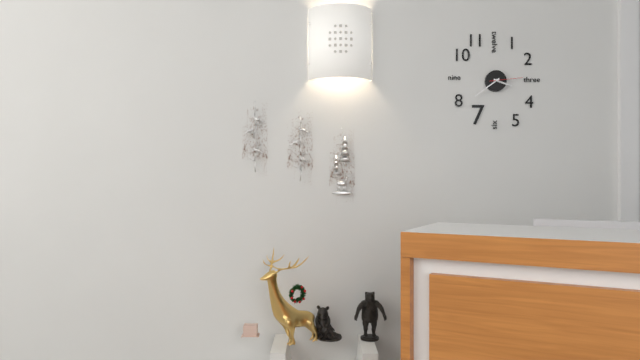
3 h 39 min
